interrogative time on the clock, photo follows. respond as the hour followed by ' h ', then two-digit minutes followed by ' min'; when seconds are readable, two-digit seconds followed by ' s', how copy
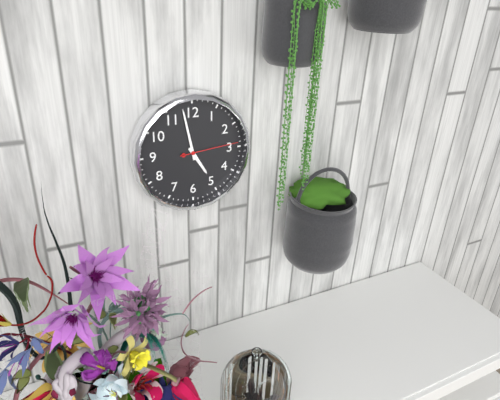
4 h 58 min 14 s
